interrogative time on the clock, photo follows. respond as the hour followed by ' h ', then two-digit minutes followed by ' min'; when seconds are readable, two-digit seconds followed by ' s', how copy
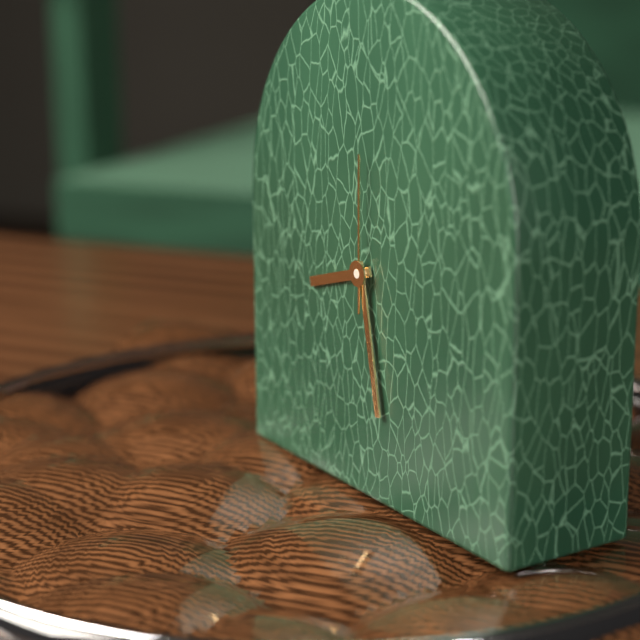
8 h 28 min 00 s
